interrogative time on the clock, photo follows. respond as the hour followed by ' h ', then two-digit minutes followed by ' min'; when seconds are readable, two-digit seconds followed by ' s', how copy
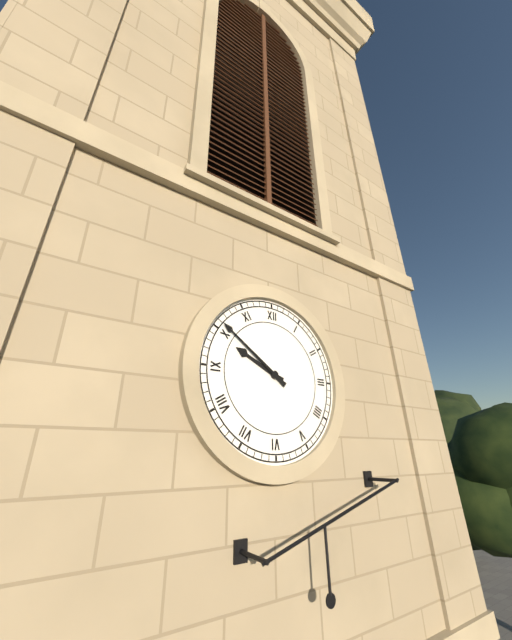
9 h 51 min
